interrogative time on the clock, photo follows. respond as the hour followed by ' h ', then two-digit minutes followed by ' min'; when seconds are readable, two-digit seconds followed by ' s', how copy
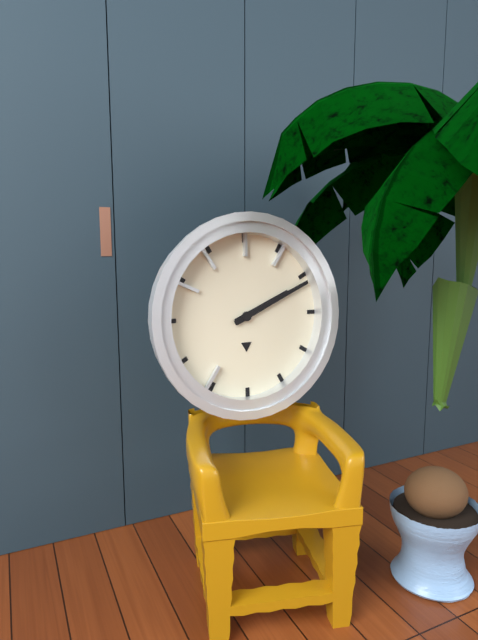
2 h 11 min
